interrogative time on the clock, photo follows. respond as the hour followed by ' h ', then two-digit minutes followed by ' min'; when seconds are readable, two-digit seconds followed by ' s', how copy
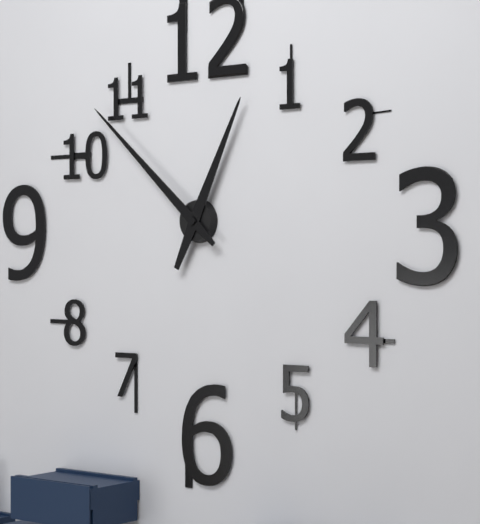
12 h 52 min
